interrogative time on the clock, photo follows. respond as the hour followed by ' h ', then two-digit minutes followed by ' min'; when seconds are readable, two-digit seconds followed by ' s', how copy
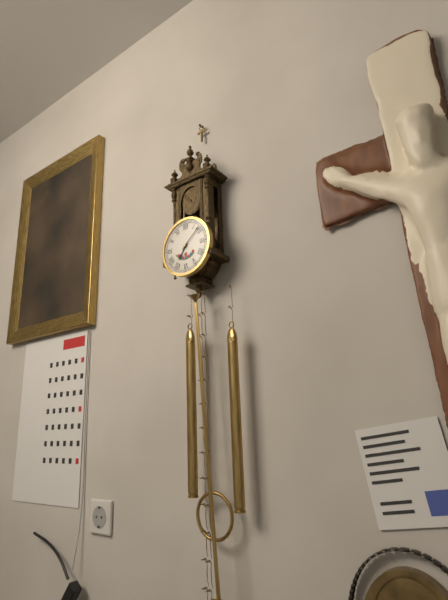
7 h 08 min
